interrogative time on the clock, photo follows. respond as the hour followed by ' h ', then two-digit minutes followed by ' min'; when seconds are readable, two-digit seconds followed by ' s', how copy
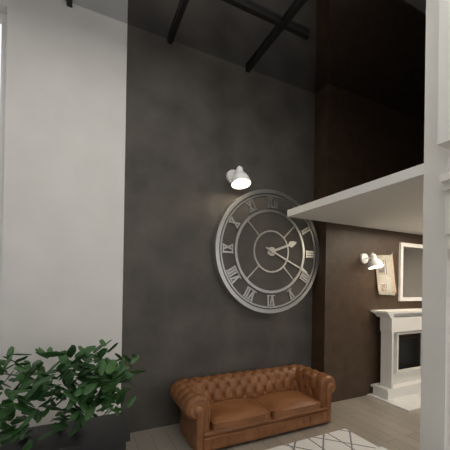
2 h 19 min
